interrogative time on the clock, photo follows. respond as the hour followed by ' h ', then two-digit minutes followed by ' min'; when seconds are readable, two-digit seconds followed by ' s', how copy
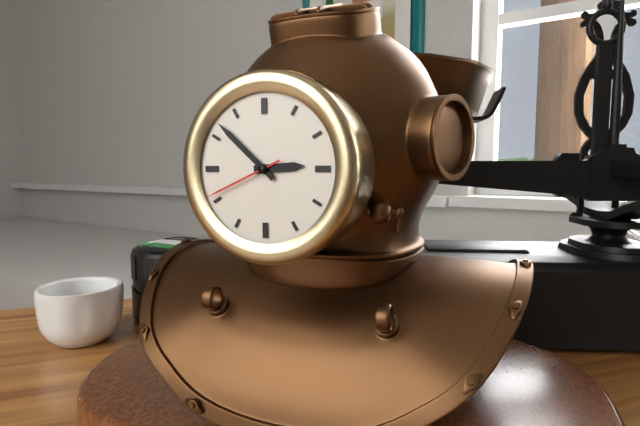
2 h 52 min 41 s
